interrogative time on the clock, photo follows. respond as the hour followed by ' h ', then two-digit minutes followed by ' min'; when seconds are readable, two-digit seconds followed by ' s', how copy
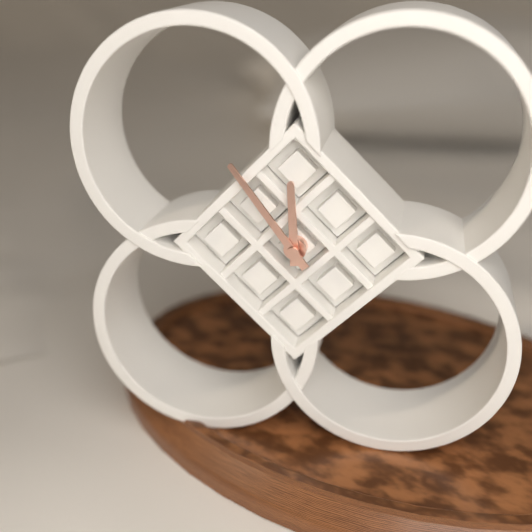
11 h 54 min
